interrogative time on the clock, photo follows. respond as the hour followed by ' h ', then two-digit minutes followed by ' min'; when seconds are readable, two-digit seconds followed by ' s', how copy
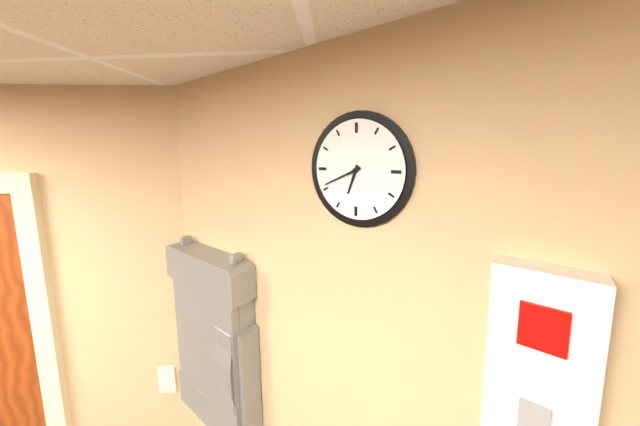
6 h 41 min
